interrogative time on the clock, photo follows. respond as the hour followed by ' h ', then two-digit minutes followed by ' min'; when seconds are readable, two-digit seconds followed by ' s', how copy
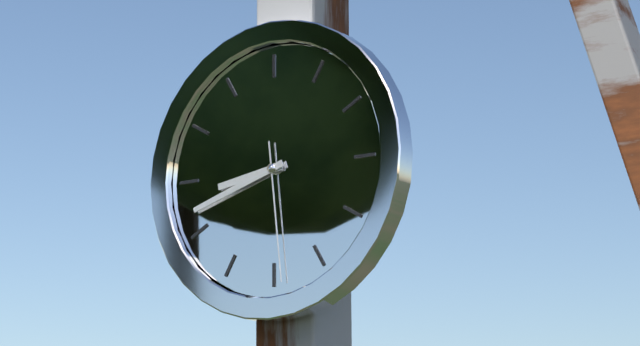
8 h 42 min 29 s
